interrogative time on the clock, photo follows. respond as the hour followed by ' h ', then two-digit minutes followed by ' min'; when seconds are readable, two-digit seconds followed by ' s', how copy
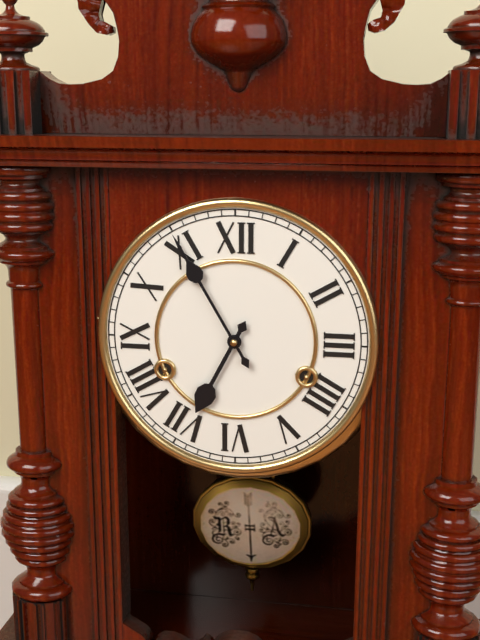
6 h 55 min
